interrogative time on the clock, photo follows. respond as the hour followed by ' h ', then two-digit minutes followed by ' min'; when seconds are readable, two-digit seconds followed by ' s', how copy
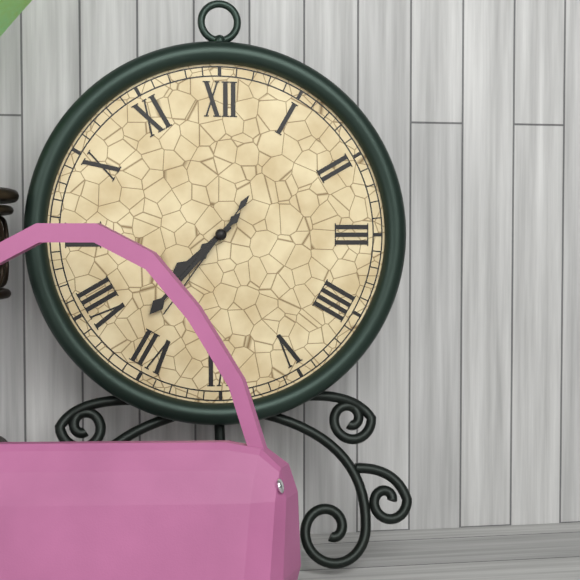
7 h 37 min 36 s
